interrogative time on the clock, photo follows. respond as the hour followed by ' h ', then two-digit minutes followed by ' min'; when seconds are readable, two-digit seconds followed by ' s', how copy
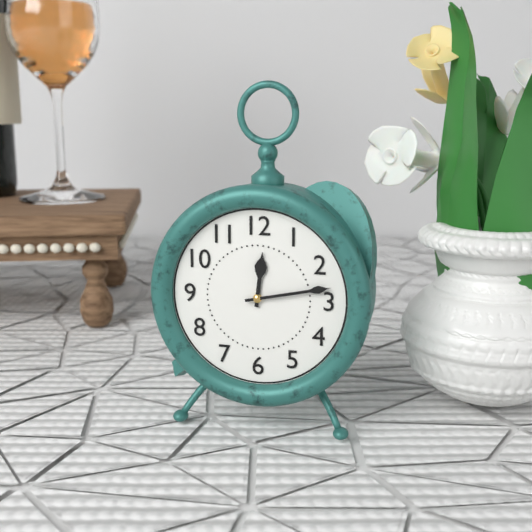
12 h 13 min
